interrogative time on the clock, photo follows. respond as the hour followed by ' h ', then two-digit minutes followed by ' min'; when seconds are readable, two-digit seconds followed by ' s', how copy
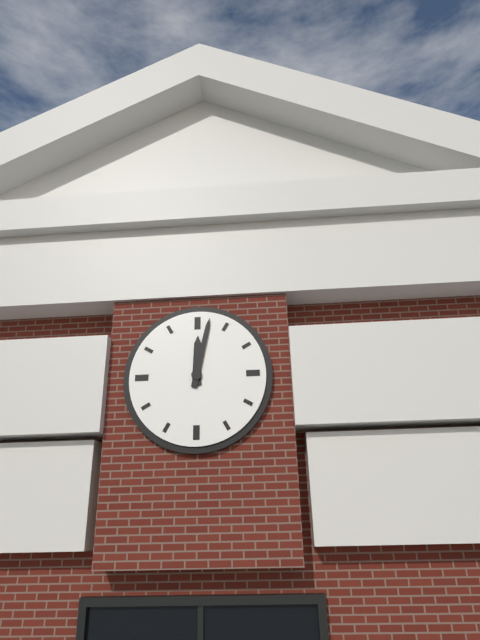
12 h 02 min
